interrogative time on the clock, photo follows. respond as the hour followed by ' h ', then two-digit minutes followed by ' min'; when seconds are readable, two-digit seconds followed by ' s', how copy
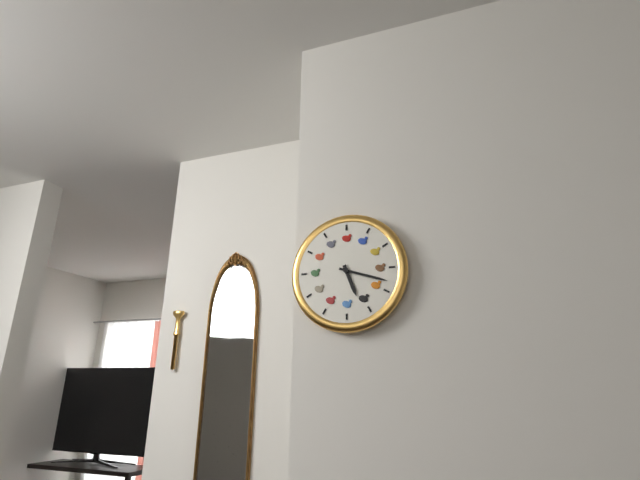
5 h 18 min
